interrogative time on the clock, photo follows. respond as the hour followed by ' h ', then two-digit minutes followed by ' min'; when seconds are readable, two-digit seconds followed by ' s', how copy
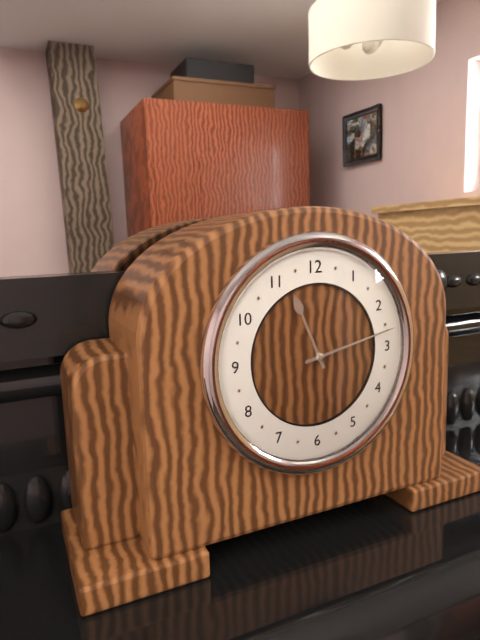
11 h 13 min
